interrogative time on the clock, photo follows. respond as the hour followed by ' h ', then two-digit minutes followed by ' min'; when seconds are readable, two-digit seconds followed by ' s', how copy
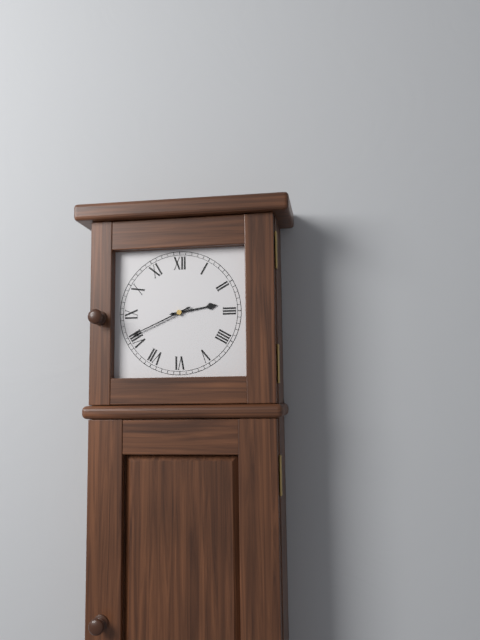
2 h 41 min
